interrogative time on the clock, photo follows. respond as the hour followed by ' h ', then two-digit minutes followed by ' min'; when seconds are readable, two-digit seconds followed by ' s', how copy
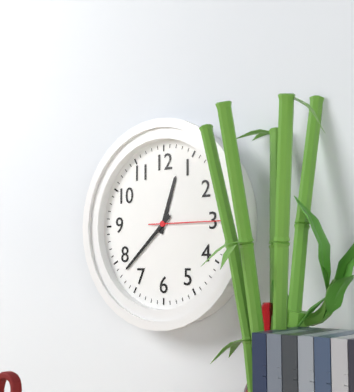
12 h 38 min 15 s
